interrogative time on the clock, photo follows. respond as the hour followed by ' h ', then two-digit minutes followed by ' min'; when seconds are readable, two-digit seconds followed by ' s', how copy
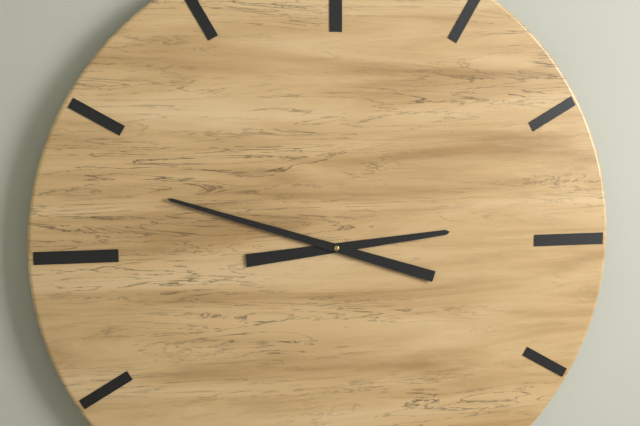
2 h 48 min
